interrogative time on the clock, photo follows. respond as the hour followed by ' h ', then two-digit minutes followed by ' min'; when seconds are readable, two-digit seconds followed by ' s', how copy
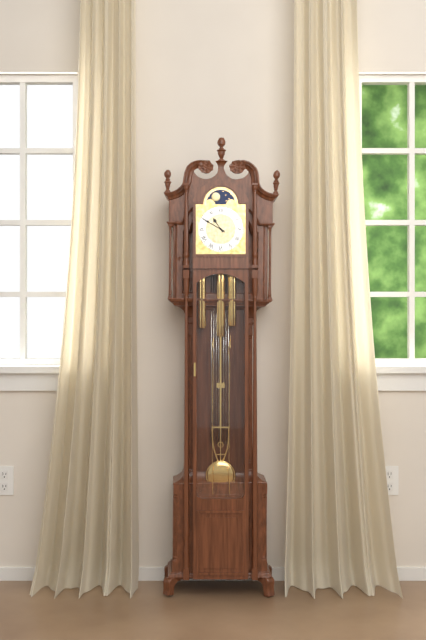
10 h 50 min
